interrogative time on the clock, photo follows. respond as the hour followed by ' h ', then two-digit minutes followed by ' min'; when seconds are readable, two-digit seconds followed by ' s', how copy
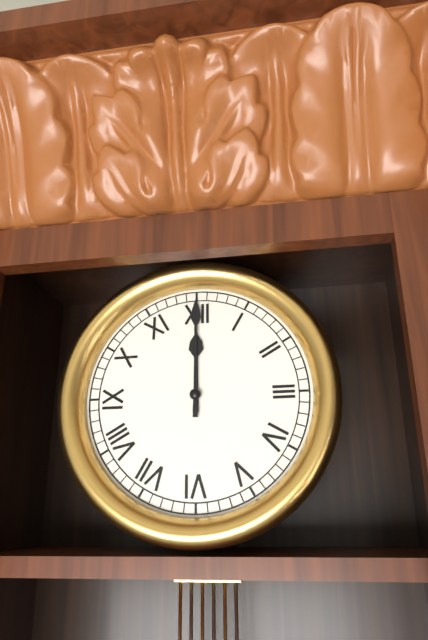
12 h 00 min
